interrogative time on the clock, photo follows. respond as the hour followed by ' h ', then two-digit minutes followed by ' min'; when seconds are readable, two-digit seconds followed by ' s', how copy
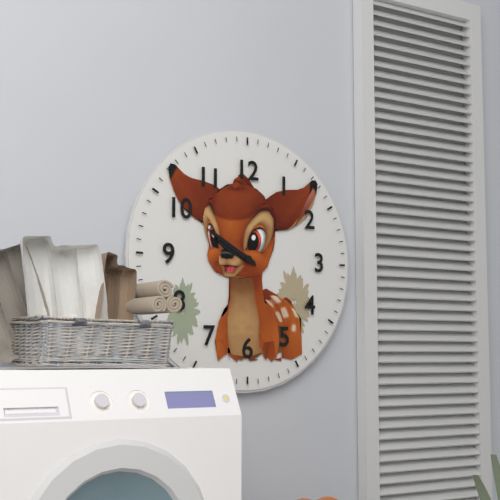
9 h 50 min
